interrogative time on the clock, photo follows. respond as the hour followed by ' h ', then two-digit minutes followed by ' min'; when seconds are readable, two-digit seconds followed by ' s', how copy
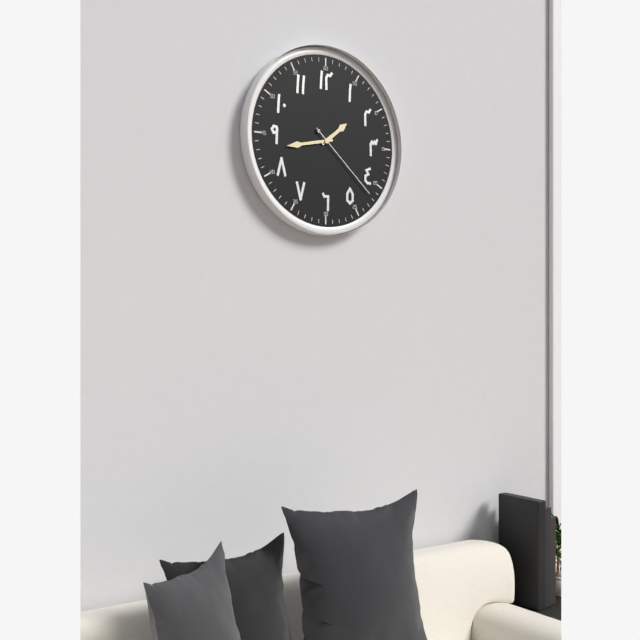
1 h 43 min 22 s
